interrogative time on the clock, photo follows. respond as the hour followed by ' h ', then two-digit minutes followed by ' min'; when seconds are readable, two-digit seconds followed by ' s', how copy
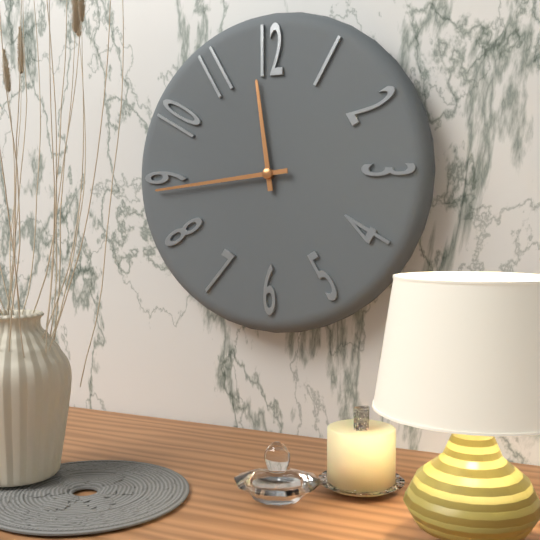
11 h 44 min
